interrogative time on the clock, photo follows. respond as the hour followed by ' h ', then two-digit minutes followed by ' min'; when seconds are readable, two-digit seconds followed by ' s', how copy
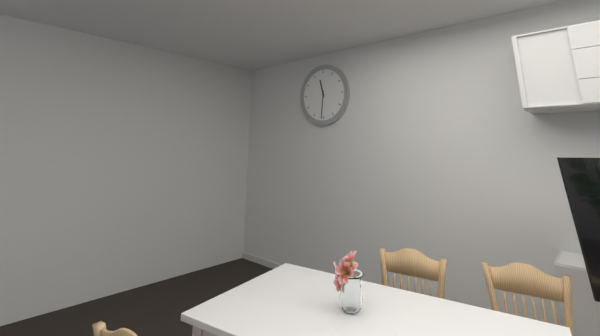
11 h 31 min
